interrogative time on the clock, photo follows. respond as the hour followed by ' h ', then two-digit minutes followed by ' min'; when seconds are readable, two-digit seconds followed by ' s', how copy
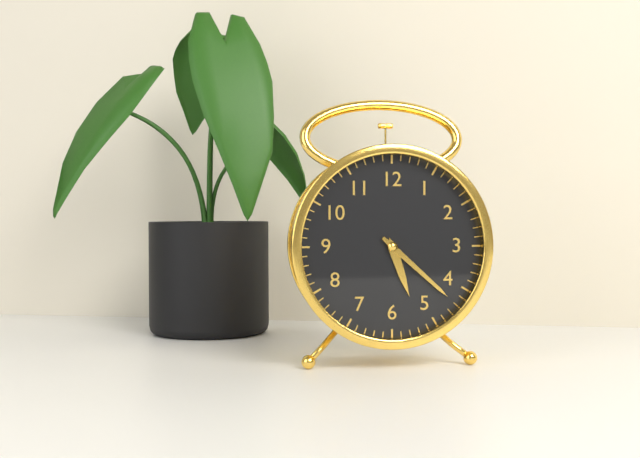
5 h 22 min
